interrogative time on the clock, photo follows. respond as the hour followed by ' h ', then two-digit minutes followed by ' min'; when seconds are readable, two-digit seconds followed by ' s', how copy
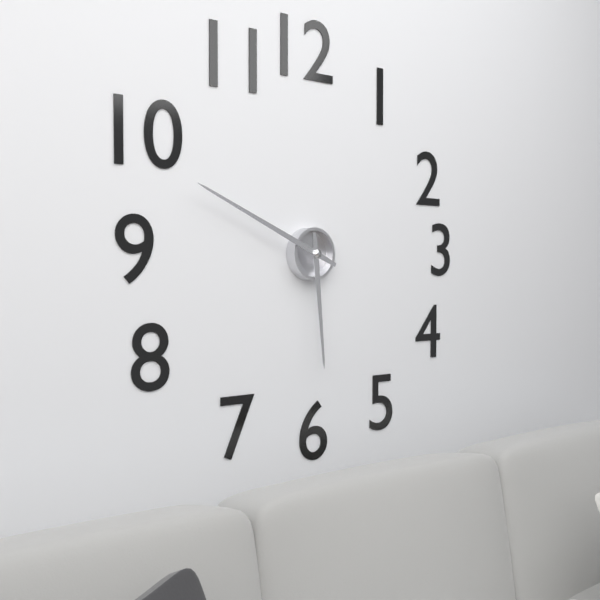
5 h 49 min
